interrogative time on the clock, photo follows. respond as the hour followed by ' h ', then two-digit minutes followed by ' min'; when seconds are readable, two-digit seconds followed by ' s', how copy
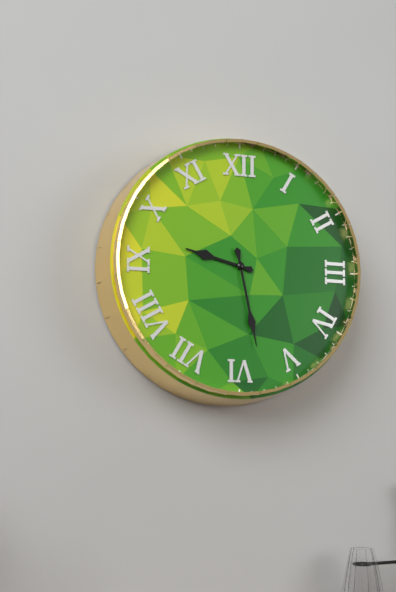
9 h 28 min
